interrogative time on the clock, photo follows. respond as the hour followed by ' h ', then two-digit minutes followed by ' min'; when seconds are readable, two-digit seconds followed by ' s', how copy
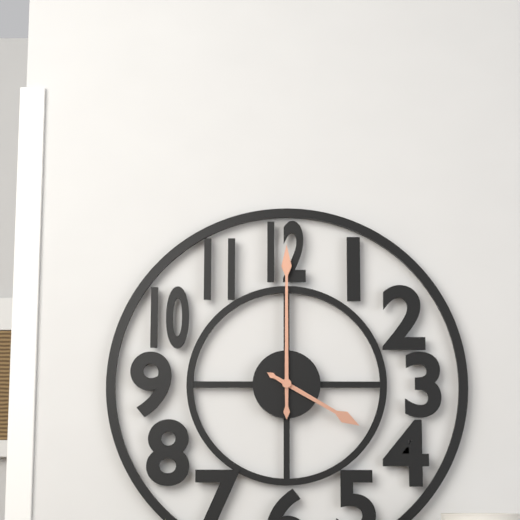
4 h 00 min
